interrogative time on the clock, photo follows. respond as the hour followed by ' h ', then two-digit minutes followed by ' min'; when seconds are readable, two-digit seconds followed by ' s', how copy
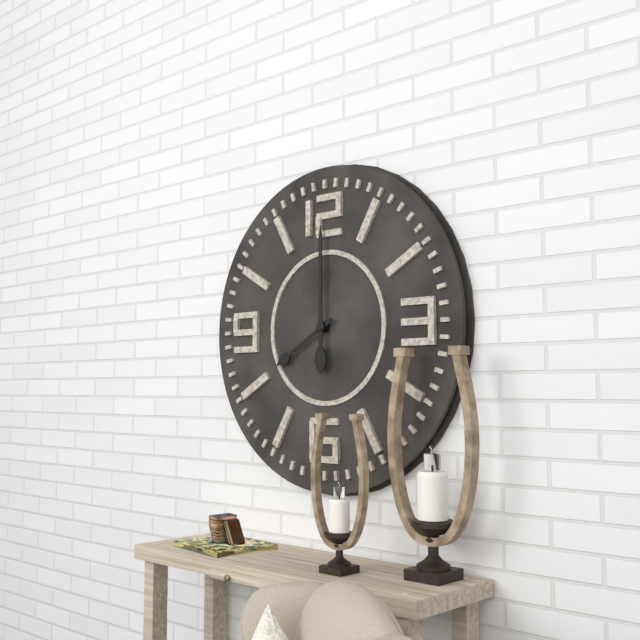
8 h 00 min
